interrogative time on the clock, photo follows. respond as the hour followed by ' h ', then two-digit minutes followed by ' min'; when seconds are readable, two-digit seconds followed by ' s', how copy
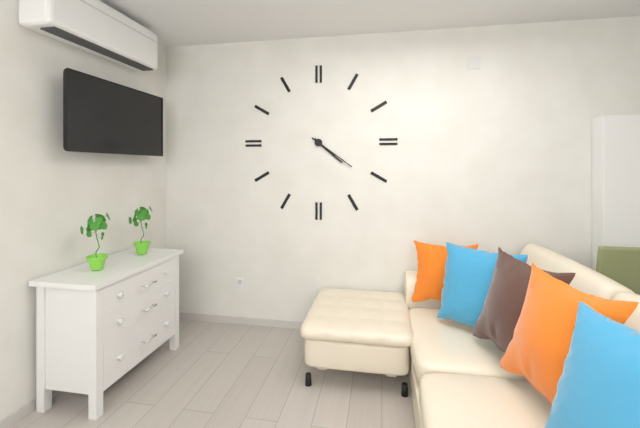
4 h 21 min
